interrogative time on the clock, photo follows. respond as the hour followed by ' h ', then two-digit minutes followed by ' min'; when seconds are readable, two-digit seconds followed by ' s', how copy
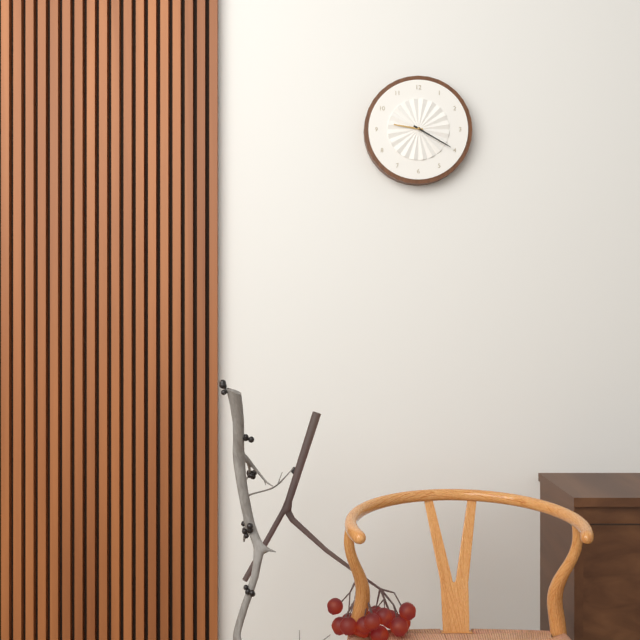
9 h 20 min
